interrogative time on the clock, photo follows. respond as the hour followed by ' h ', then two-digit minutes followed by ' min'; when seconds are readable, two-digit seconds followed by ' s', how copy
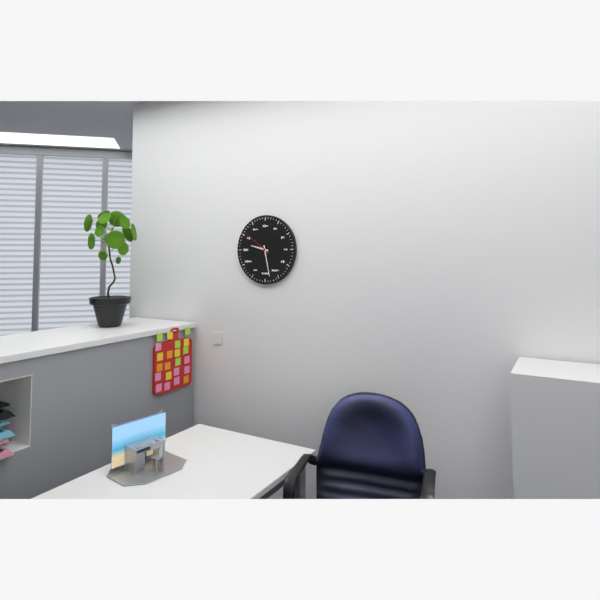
9 h 28 min
